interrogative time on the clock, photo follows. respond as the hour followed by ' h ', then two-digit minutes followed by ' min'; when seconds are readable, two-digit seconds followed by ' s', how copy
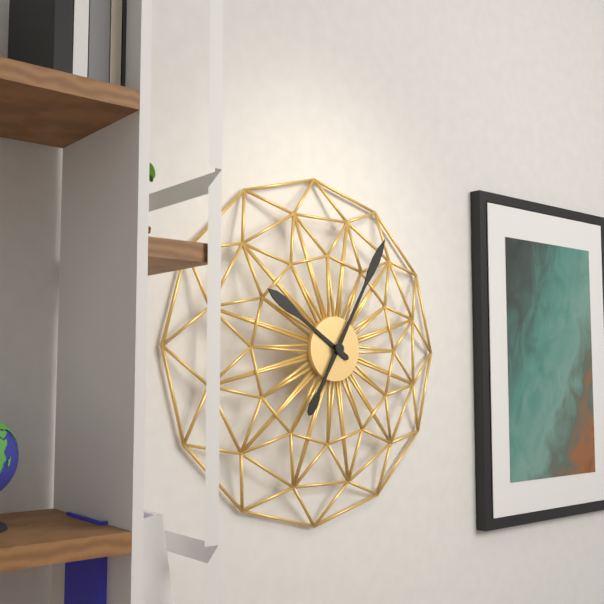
10 h 05 min
